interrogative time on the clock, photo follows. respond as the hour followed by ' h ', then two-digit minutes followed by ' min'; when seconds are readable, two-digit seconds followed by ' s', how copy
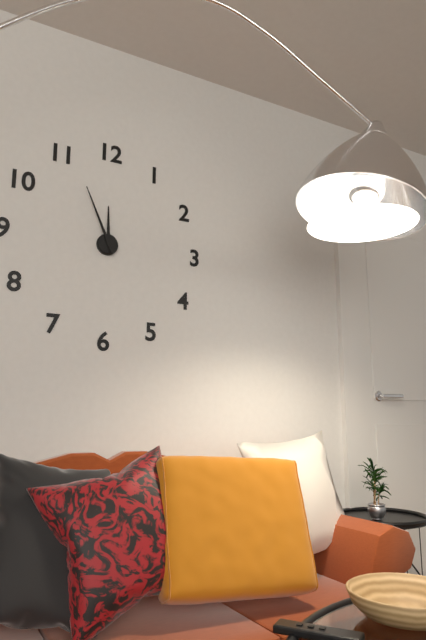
11 h 56 min
